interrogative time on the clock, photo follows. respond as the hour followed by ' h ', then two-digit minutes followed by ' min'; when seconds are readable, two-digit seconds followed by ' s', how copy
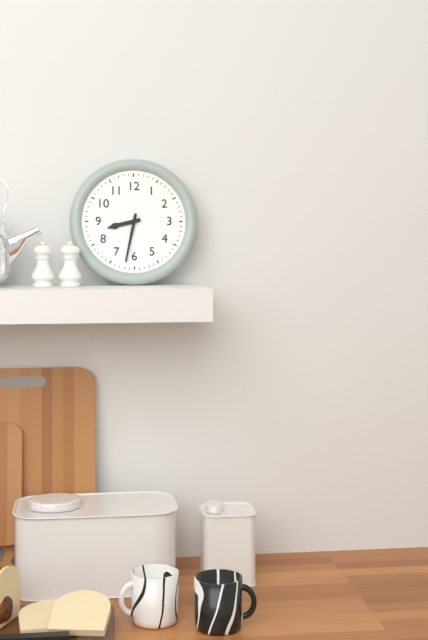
8 h 32 min
